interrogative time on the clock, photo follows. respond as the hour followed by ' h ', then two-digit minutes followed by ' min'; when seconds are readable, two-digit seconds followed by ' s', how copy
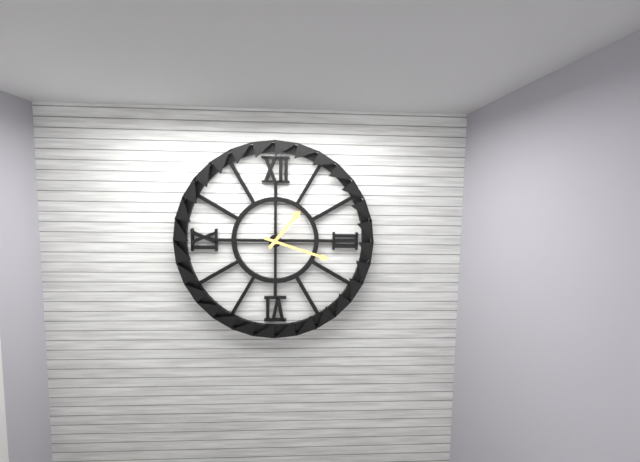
1 h 18 min
